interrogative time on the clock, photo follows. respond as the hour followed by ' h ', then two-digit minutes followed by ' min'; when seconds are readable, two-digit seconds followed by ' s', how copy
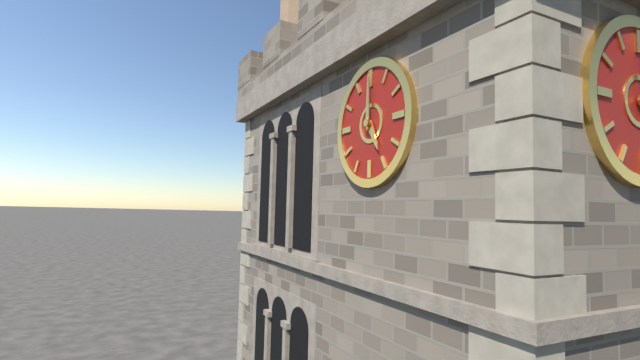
5 h 00 min
